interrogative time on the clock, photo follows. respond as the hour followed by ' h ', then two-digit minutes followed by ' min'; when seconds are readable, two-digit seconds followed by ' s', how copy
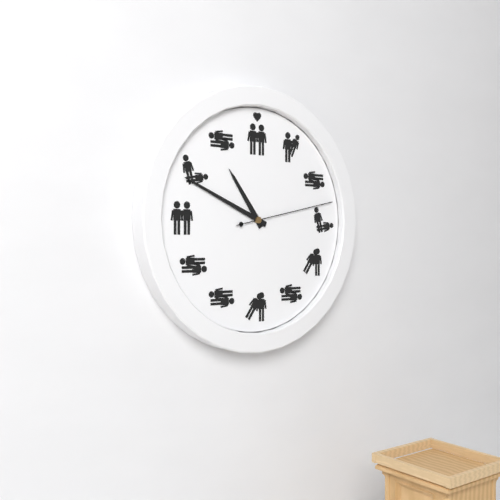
10 h 49 min 13 s
